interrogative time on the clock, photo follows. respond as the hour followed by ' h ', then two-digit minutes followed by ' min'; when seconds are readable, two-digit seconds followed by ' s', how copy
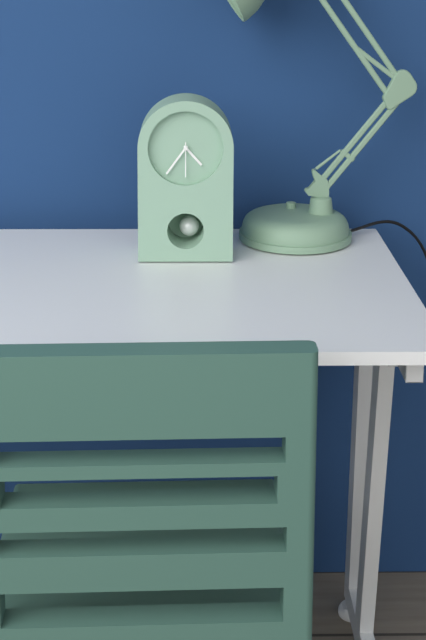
4 h 36 min
